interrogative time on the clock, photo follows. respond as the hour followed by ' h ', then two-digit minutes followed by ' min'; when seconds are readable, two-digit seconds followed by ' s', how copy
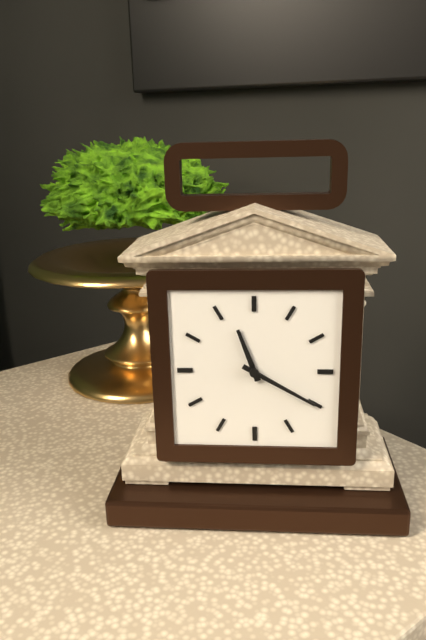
11 h 20 min
